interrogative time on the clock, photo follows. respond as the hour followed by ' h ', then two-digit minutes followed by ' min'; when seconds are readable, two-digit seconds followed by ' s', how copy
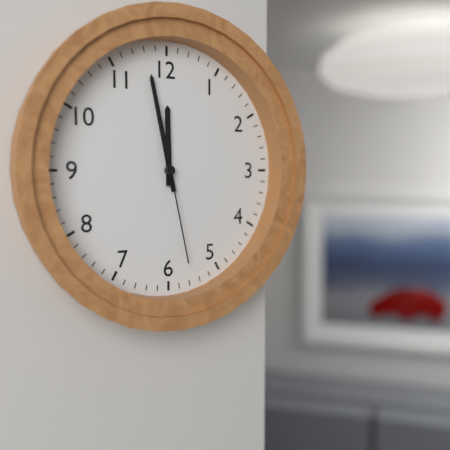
11 h 58 min 28 s
